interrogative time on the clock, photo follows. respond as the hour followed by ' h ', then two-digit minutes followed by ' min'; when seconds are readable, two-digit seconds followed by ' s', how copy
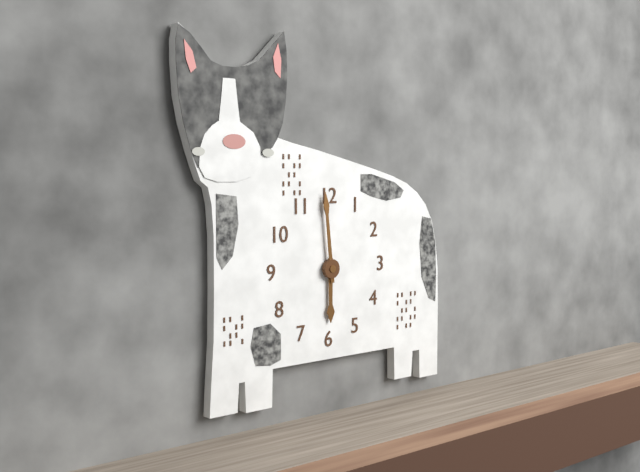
5 h 59 min
